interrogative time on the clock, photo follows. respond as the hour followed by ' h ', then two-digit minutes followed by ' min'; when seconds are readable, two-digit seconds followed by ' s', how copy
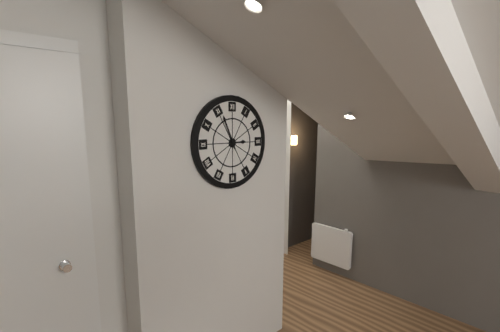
2 h 56 min
